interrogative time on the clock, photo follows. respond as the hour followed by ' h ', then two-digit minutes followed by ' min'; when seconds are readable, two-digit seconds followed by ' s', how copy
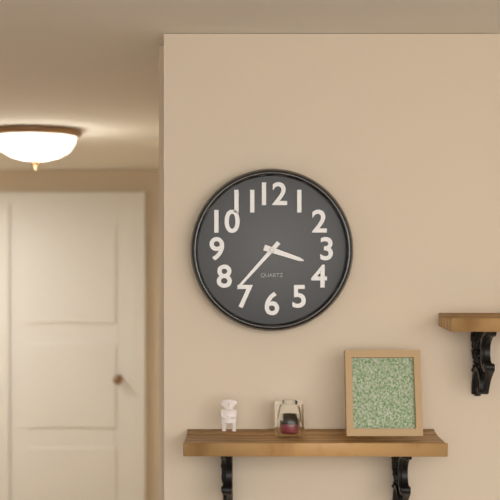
3 h 37 min
